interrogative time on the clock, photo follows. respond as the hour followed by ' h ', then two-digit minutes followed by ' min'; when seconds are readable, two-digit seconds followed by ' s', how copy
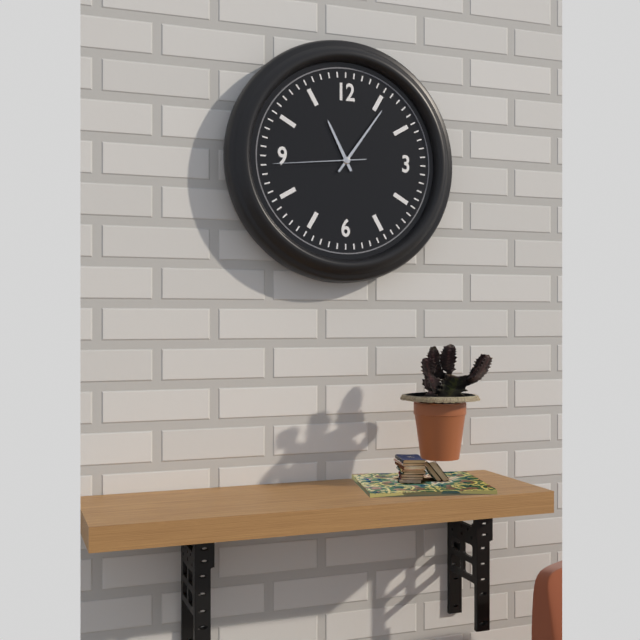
11 h 06 min 44 s
